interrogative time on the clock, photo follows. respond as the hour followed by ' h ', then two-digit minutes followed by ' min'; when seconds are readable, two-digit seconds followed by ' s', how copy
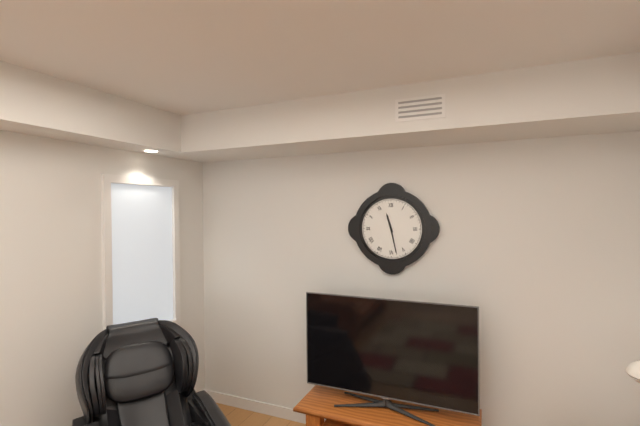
11 h 28 min
